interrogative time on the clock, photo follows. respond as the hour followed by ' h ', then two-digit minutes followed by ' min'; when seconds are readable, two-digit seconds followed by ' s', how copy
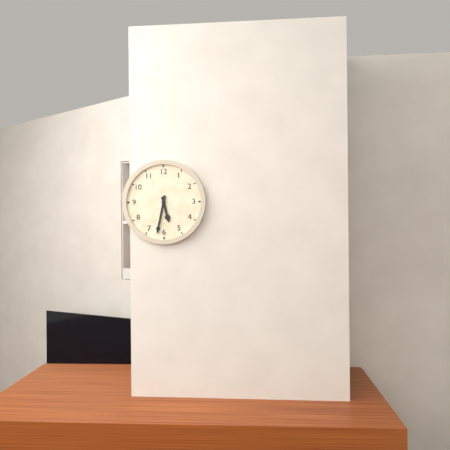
5 h 32 min
